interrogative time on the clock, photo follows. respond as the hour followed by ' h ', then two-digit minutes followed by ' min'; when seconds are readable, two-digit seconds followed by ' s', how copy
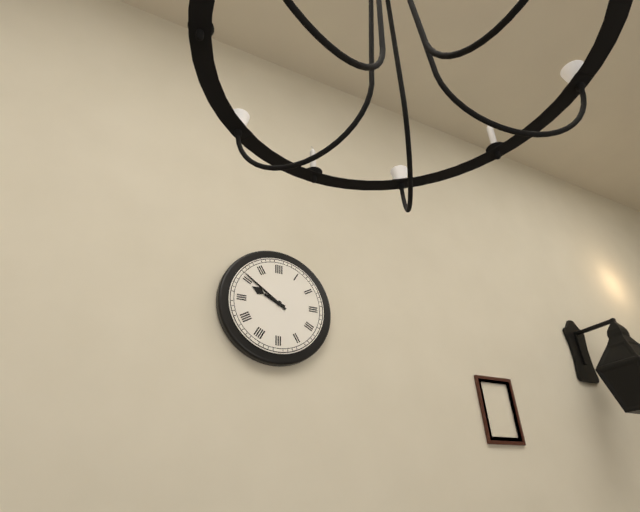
9 h 51 min
